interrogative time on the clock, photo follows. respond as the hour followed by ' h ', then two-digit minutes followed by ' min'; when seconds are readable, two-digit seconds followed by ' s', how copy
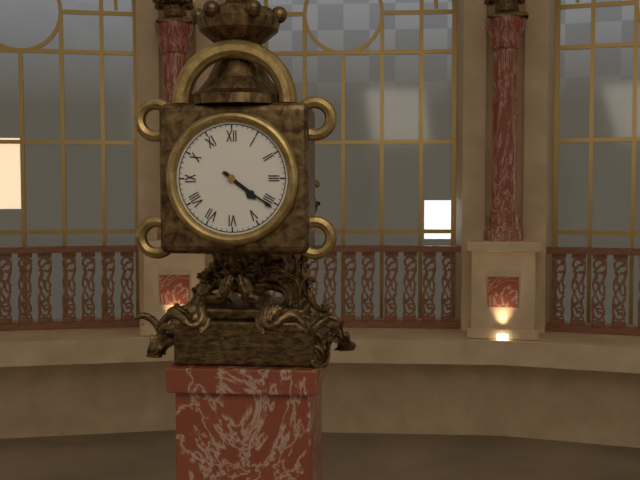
4 h 21 min
